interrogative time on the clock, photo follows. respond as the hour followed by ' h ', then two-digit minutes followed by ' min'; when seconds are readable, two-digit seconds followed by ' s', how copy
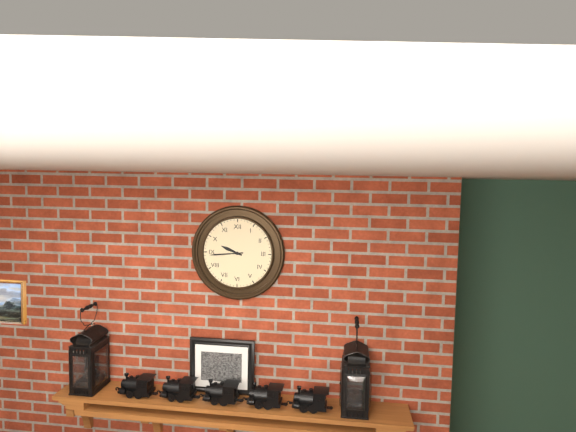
9 h 44 min
